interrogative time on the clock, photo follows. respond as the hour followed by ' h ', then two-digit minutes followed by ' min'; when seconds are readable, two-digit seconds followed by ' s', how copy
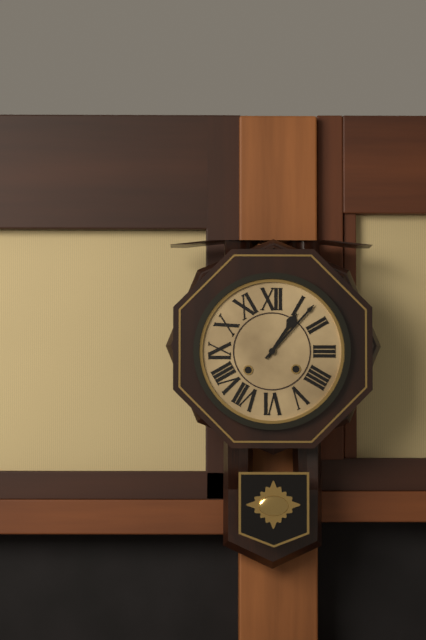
1 h 07 min
